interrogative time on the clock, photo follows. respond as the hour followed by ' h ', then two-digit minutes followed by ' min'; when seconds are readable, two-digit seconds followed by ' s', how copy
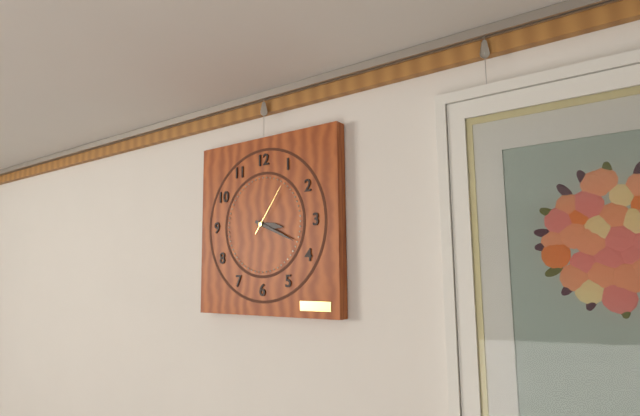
3 h 19 min 06 s
